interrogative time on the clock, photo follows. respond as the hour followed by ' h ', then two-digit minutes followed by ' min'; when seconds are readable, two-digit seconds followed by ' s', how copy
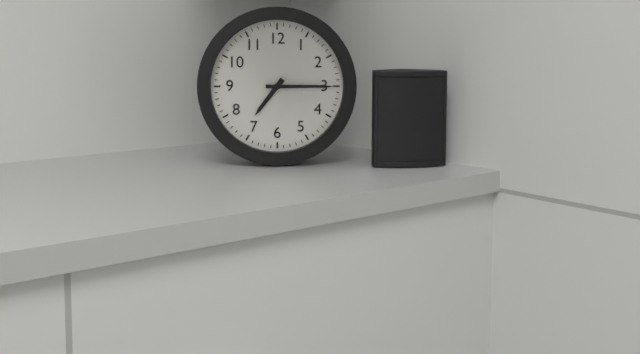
7 h 15 min
